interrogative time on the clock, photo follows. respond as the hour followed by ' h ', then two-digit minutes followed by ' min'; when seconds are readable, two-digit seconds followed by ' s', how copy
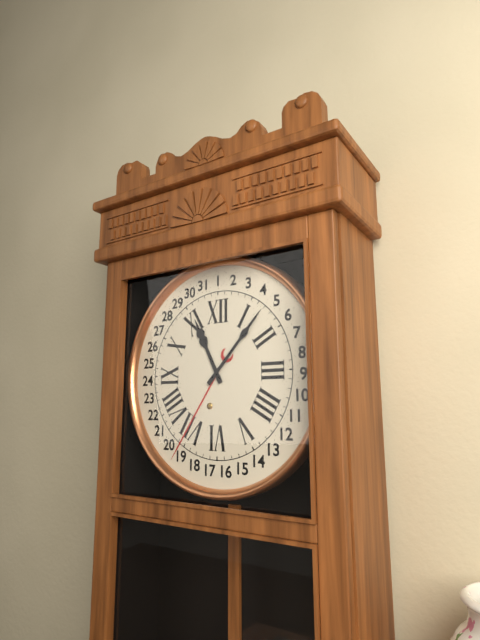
11 h 07 min
